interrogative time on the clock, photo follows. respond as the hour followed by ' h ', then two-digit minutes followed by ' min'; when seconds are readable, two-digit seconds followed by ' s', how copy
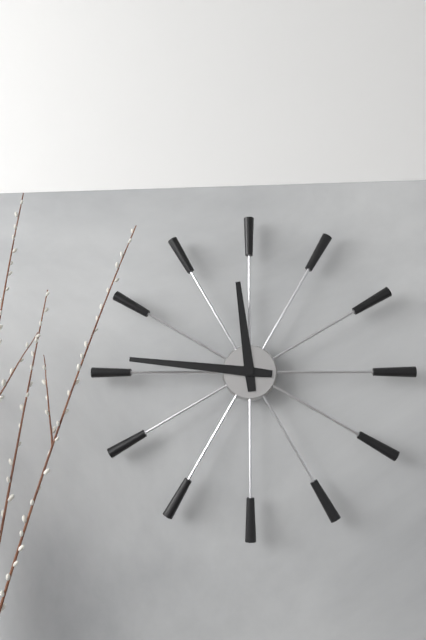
11 h 46 min
